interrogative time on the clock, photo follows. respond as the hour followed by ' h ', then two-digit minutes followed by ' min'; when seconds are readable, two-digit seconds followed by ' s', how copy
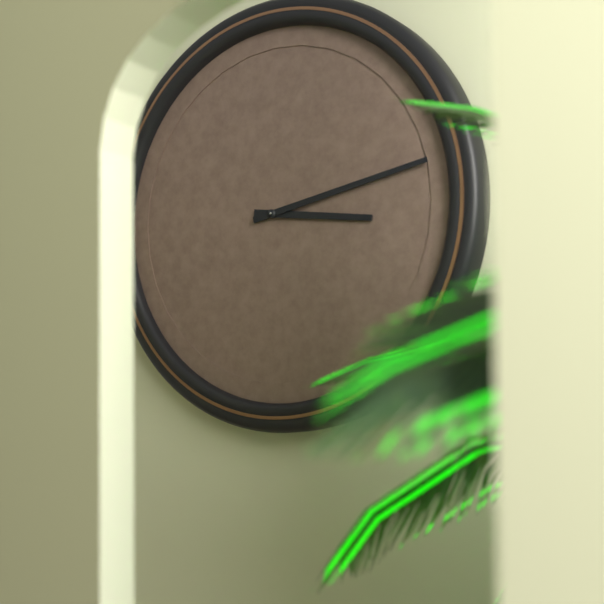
3 h 13 min
